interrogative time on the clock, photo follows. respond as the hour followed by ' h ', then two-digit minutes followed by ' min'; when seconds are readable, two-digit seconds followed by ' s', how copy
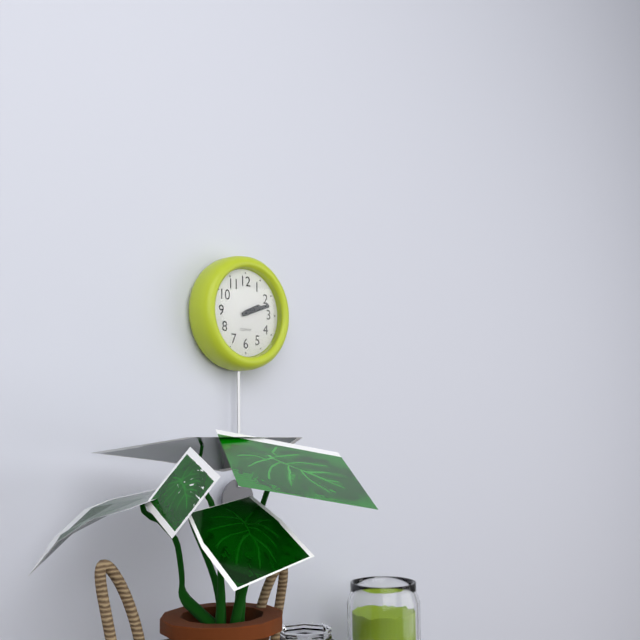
2 h 12 min
